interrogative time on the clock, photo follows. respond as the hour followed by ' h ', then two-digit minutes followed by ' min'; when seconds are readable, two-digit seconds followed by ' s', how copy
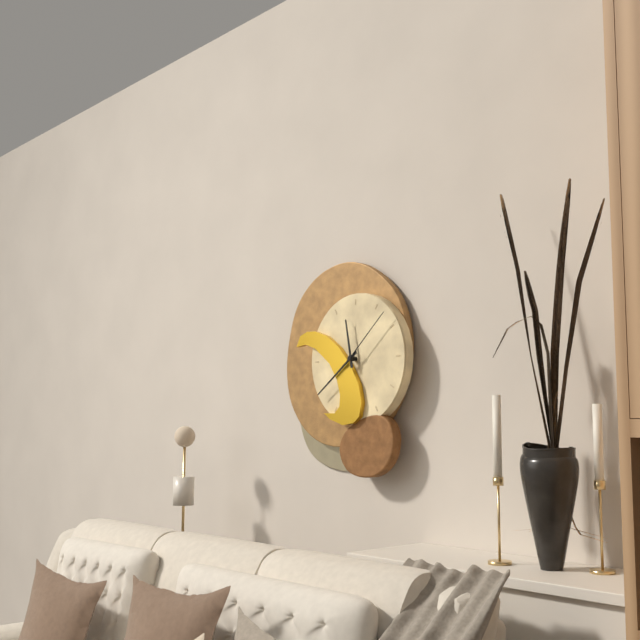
11 h 39 min 08 s
